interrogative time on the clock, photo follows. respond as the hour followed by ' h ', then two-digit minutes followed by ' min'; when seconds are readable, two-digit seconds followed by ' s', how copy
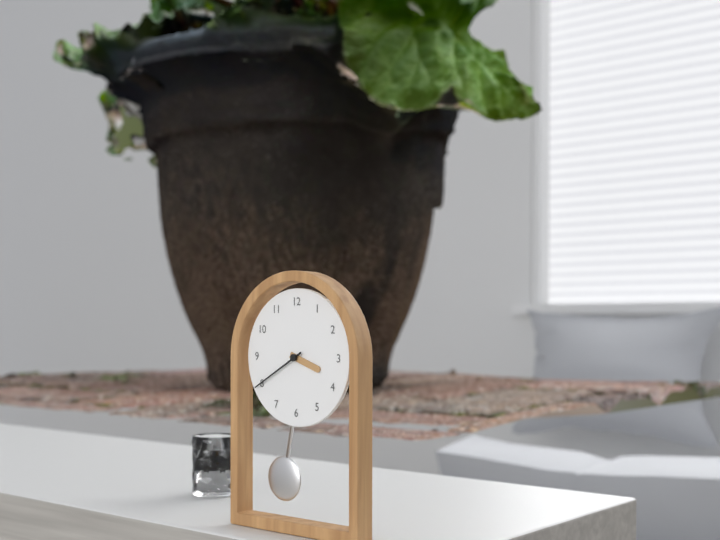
3 h 40 min
